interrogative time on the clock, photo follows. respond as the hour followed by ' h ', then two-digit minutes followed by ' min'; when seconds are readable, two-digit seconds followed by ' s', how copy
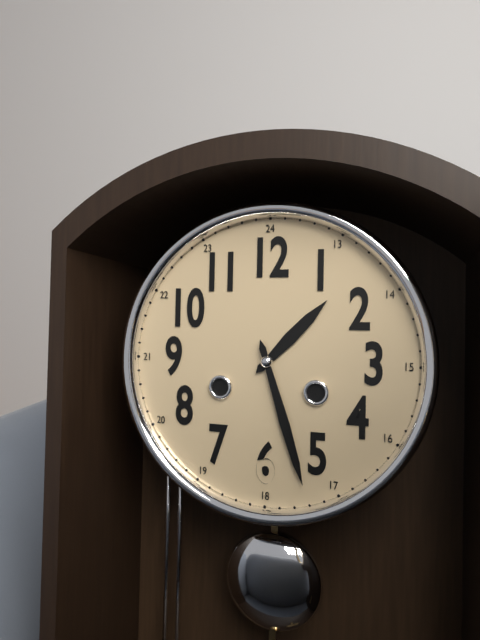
1 h 27 min
